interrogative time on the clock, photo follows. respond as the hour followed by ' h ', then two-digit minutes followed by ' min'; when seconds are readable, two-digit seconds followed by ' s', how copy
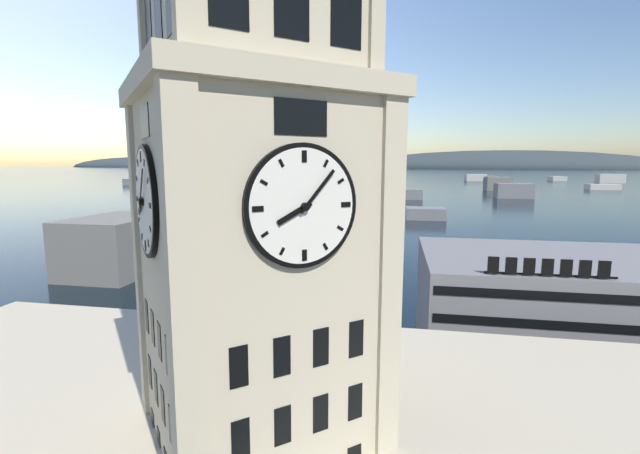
8 h 07 min
